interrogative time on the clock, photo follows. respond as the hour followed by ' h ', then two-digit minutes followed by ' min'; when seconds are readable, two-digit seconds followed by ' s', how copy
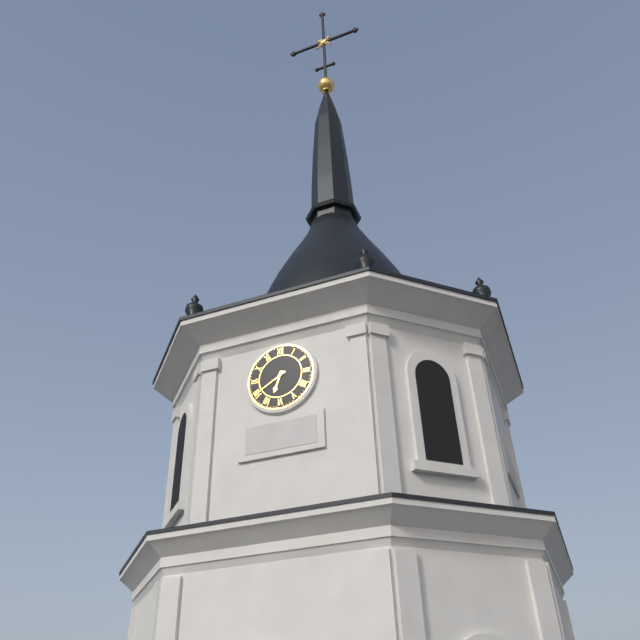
6 h 40 min
